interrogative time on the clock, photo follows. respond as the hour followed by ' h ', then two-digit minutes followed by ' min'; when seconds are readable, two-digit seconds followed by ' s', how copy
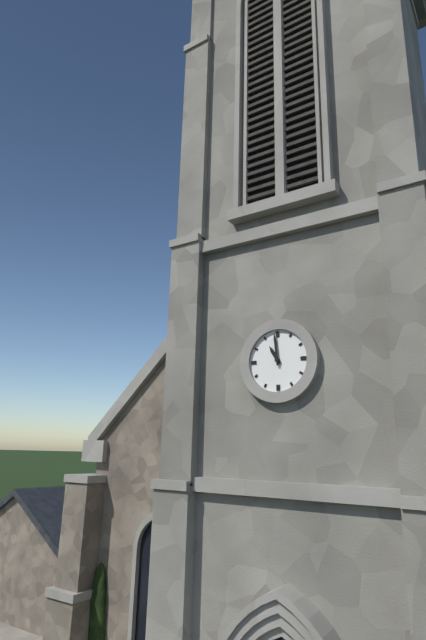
10 h 59 min
